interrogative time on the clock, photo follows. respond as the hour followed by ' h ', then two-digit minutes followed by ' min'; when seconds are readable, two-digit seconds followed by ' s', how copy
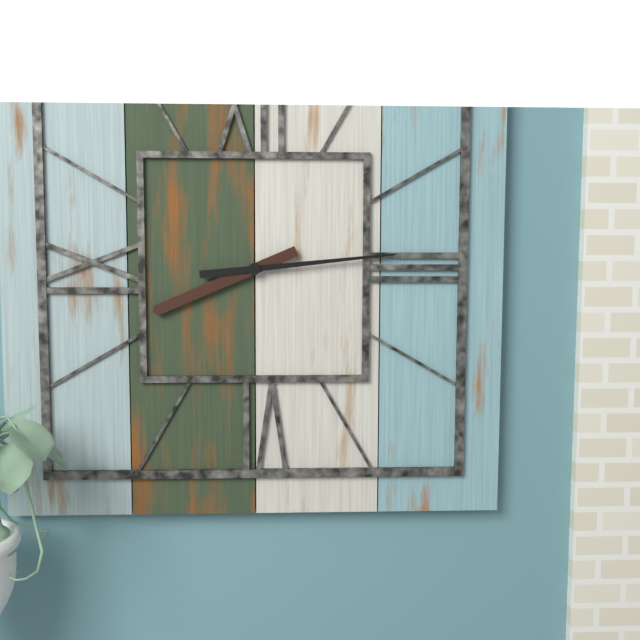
8 h 14 min
